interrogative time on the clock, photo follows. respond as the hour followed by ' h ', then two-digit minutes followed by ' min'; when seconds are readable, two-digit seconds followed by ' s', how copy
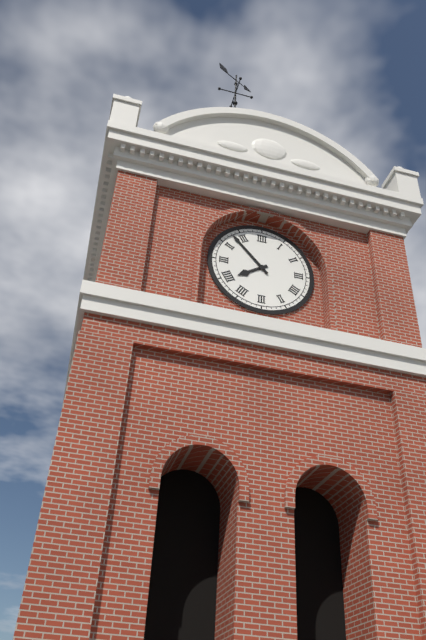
7 h 53 min
